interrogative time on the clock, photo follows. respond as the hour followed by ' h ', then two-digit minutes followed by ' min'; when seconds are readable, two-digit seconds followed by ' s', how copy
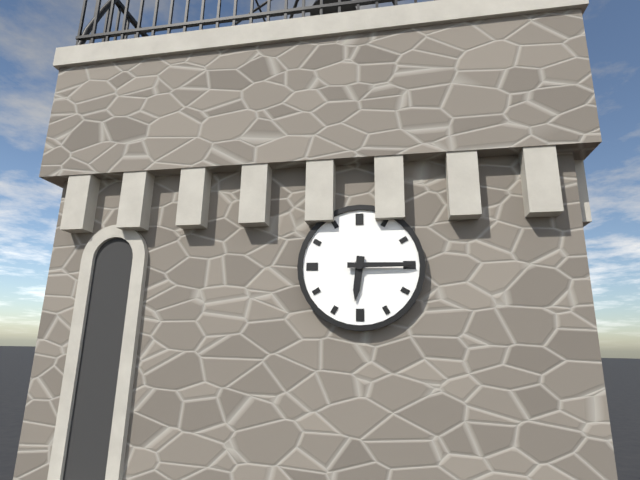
6 h 15 min
